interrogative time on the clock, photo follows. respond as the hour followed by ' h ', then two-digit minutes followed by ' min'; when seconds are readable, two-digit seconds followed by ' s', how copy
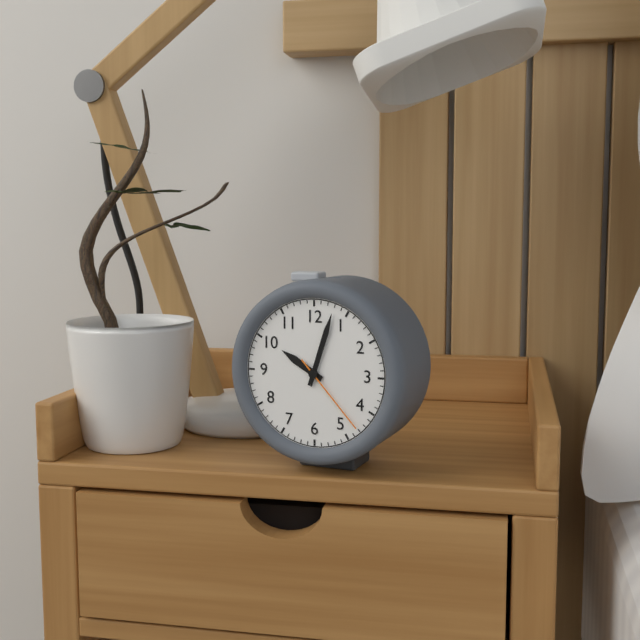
10 h 03 min 23 s
